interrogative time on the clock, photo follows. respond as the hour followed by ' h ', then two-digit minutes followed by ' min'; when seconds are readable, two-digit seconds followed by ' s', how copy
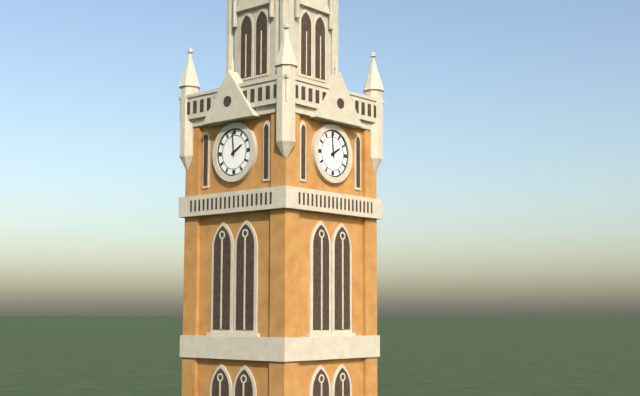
1 h 59 min
